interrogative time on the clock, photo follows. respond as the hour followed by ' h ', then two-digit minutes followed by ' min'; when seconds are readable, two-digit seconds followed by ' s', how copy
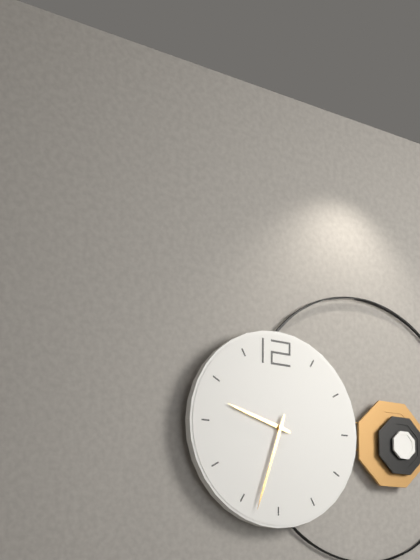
9 h 33 min
